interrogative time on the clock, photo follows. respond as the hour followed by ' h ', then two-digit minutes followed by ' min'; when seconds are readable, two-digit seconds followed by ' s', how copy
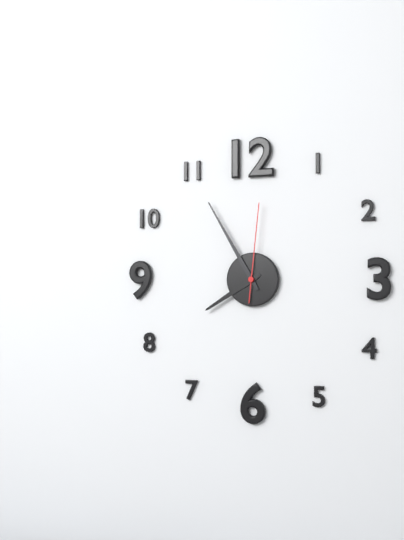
7 h 55 min 01 s
